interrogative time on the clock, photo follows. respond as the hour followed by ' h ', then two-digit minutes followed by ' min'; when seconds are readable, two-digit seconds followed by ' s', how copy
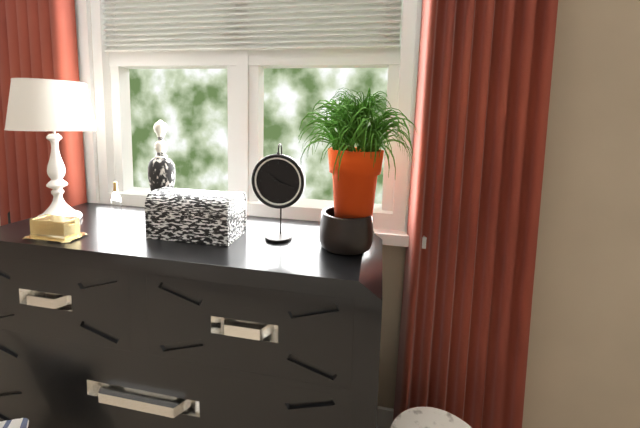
10 h 18 min
